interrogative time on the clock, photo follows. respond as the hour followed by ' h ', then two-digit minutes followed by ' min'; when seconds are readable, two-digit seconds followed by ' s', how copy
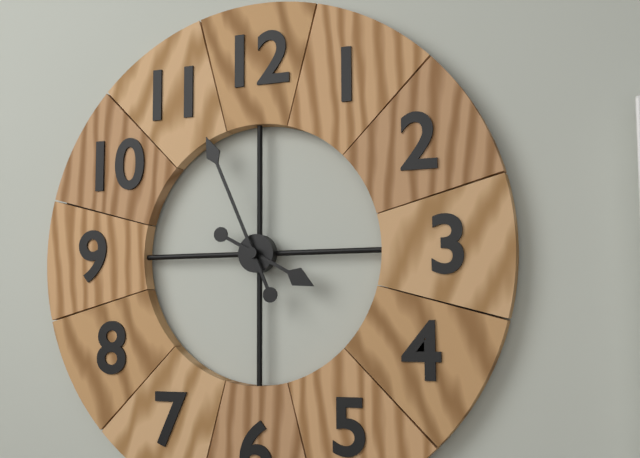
3 h 56 min
